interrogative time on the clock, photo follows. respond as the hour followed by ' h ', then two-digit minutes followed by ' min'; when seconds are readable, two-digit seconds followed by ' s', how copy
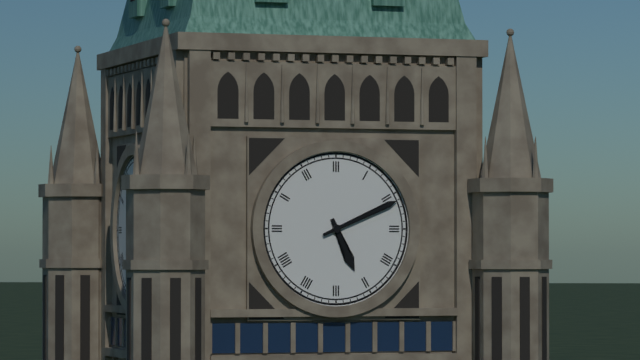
5 h 11 min
